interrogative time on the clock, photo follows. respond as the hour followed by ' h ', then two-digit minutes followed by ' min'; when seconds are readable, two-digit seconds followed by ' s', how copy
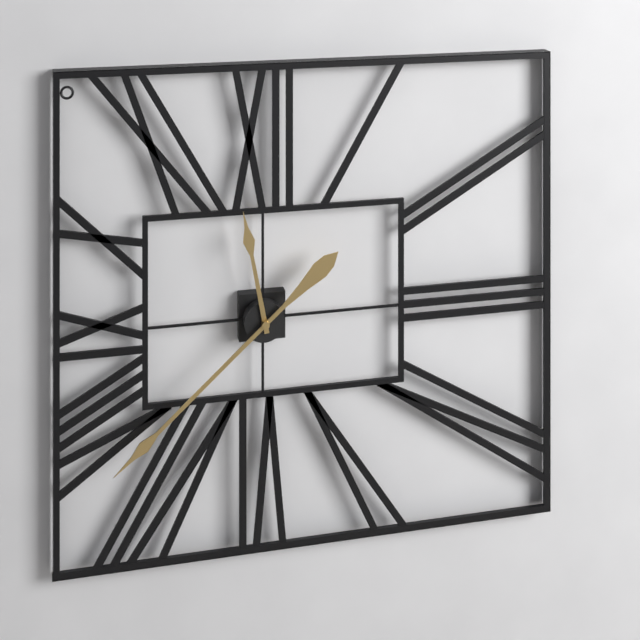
11 h 38 min
